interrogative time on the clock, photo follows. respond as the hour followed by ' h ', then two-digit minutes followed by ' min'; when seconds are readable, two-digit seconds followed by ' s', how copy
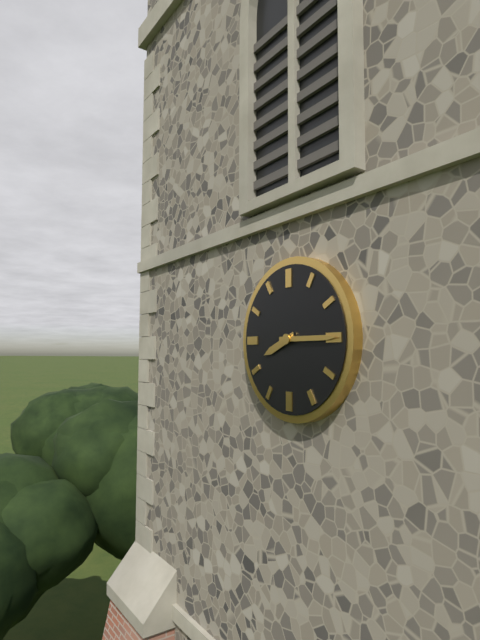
8 h 15 min
